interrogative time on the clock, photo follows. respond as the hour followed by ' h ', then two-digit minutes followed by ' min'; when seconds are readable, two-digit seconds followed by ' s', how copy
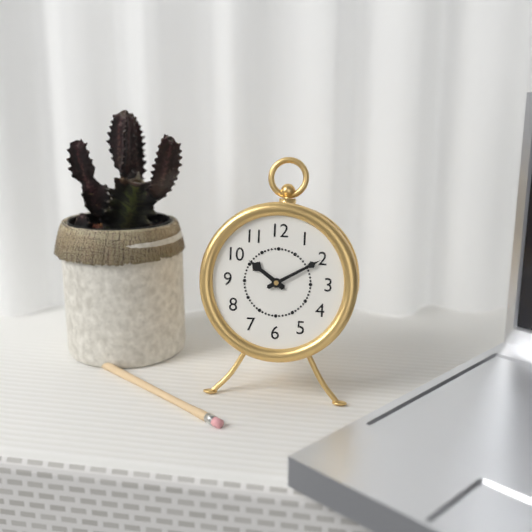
10 h 10 min
